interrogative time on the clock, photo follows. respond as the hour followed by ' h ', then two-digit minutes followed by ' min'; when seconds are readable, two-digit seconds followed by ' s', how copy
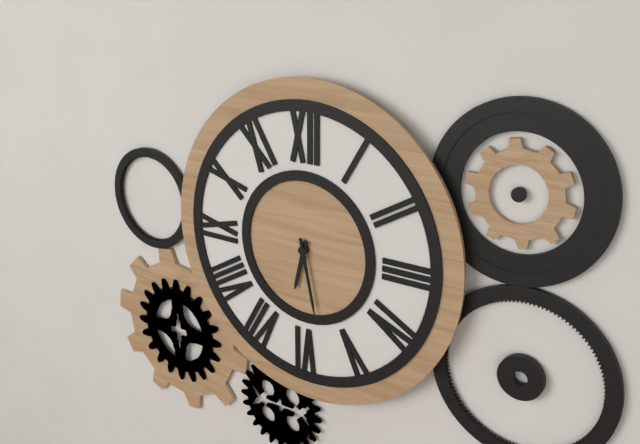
6 h 28 min
